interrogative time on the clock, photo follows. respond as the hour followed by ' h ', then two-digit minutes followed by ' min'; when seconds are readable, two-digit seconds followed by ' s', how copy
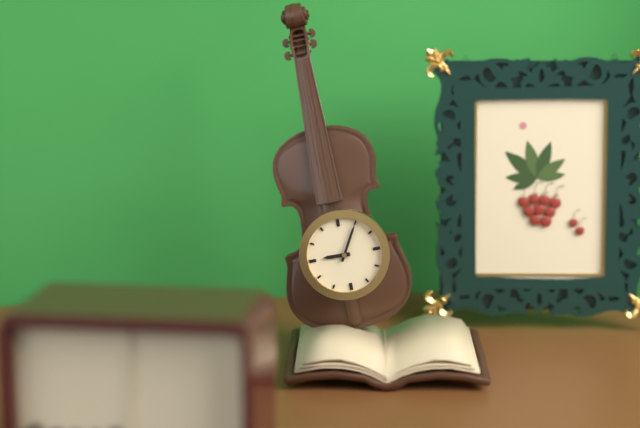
9 h 05 min
